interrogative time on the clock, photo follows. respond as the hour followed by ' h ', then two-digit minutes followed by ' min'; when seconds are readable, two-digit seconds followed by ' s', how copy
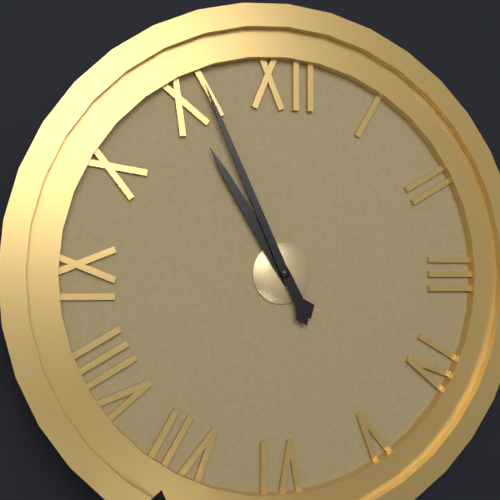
10 h 56 min
